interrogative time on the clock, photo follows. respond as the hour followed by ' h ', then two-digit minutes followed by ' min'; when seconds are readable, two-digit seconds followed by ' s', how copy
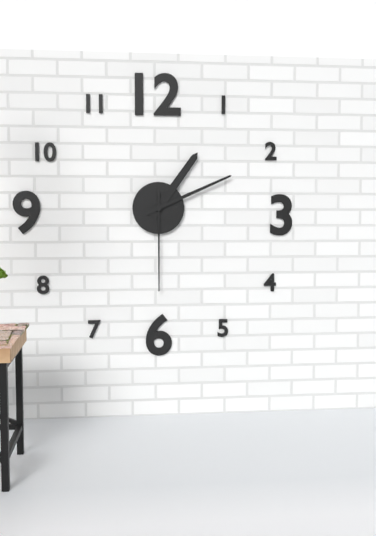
1 h 11 min 30 s
